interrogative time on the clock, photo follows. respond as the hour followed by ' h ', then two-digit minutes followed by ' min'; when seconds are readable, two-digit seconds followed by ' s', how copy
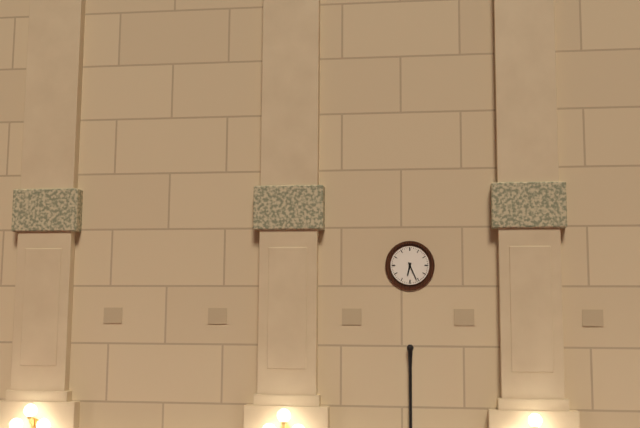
6 h 26 min
